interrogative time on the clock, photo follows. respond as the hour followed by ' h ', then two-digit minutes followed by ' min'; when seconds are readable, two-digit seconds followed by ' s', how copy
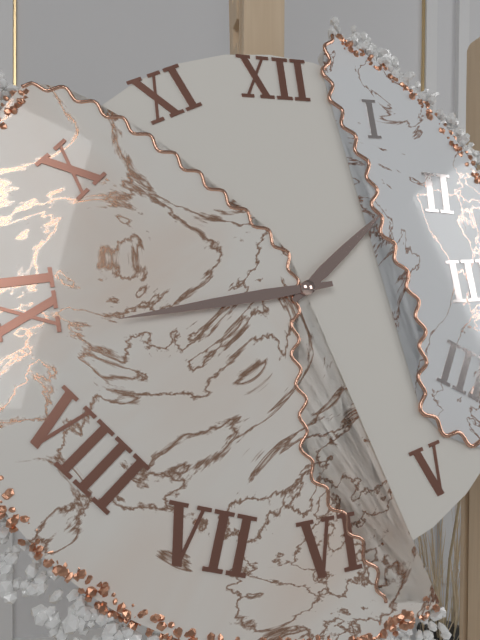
1 h 44 min
